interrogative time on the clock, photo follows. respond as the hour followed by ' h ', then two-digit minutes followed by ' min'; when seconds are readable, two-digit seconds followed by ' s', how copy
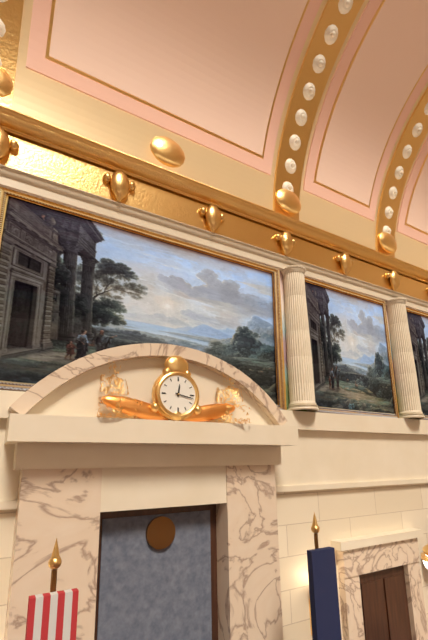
12 h 17 min
